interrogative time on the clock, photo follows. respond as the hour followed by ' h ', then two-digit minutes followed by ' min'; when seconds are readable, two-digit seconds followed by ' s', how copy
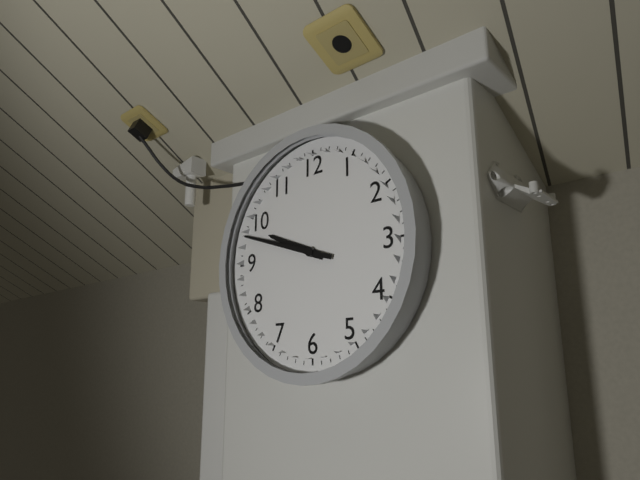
9 h 48 min
